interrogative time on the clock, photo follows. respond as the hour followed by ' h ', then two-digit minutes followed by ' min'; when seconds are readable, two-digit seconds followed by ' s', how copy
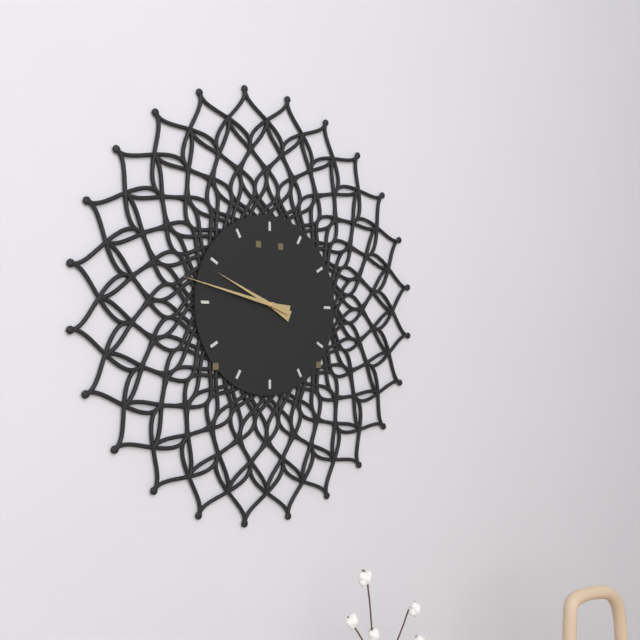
9 h 47 min
